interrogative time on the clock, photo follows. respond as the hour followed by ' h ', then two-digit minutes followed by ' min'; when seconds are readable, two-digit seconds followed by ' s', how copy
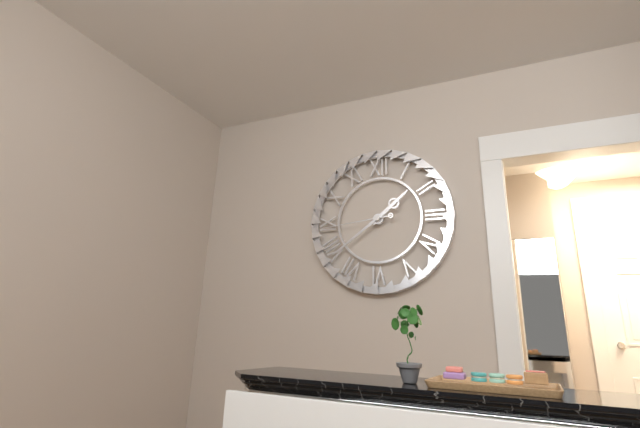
1 h 39 min 44 s
